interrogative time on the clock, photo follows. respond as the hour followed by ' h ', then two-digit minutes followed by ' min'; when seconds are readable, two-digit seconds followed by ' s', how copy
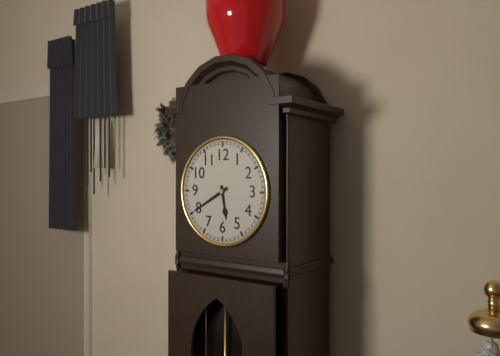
5 h 40 min
